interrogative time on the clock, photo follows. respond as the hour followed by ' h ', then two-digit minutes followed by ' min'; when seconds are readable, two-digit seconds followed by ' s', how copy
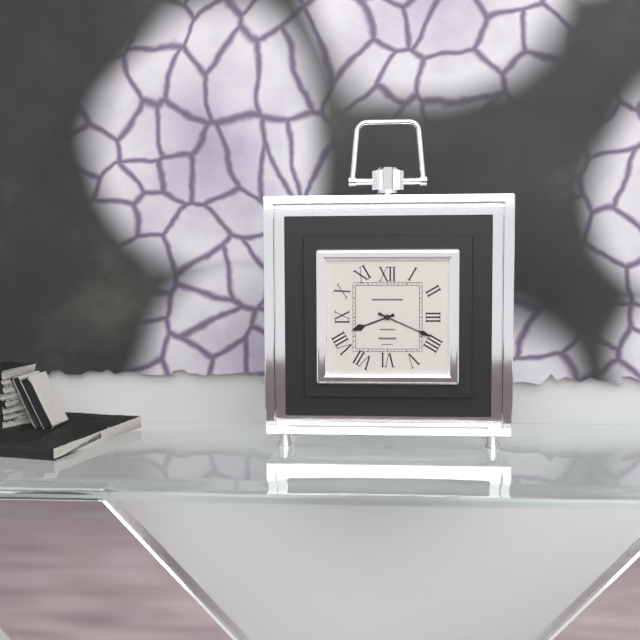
8 h 19 min
